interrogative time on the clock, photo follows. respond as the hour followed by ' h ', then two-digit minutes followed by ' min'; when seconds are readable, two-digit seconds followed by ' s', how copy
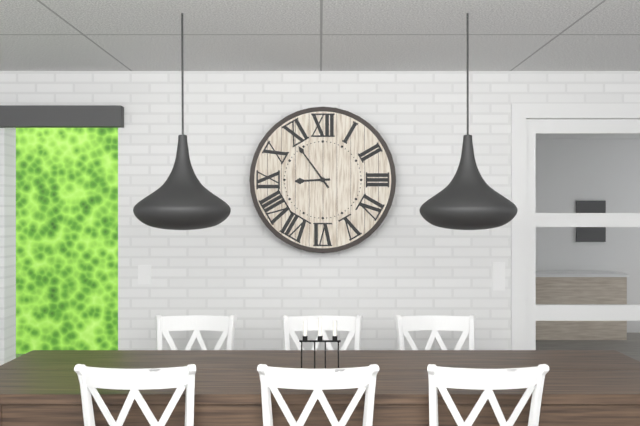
8 h 54 min
